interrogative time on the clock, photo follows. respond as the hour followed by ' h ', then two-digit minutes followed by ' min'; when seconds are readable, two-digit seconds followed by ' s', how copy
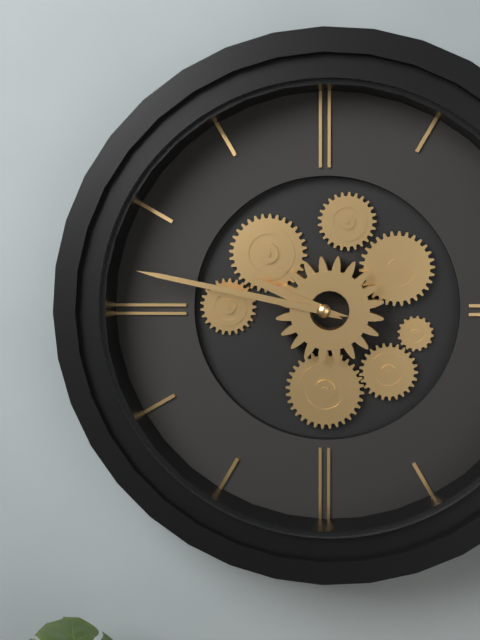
9 h 47 min
